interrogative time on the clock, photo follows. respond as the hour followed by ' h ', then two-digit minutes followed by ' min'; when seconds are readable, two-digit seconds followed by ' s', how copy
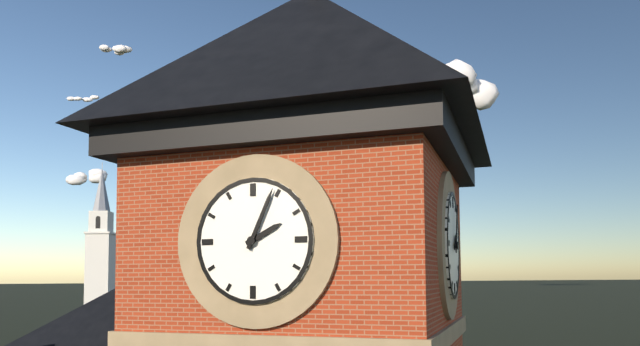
2 h 04 min
